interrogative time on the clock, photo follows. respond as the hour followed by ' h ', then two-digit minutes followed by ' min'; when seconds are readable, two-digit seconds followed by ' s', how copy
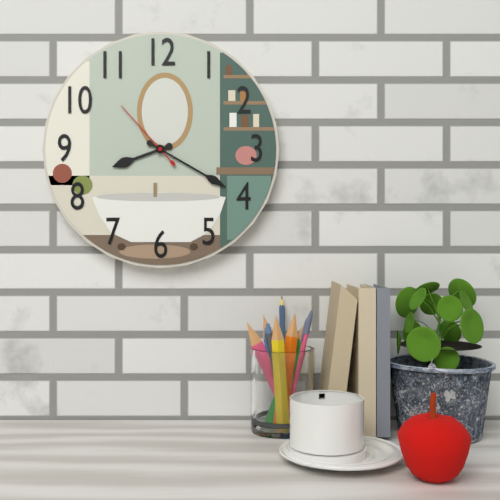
8 h 20 min 53 s
